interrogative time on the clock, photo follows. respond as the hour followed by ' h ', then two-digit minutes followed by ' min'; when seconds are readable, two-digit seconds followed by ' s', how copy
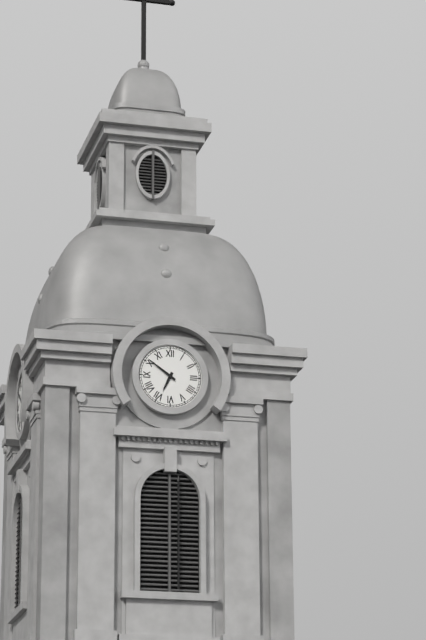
6 h 51 min
